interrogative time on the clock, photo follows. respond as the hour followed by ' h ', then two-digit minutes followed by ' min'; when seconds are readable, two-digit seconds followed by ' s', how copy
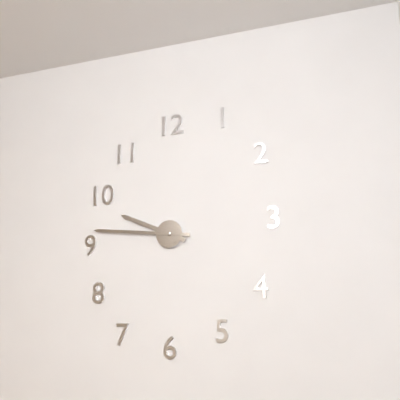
9 h 46 min
